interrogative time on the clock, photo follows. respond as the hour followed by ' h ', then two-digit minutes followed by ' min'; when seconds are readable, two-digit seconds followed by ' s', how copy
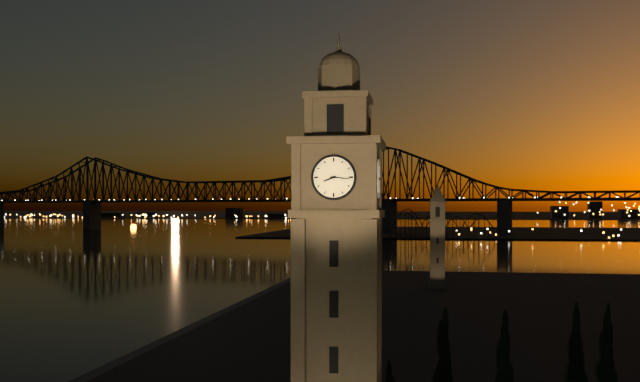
8 h 16 min
